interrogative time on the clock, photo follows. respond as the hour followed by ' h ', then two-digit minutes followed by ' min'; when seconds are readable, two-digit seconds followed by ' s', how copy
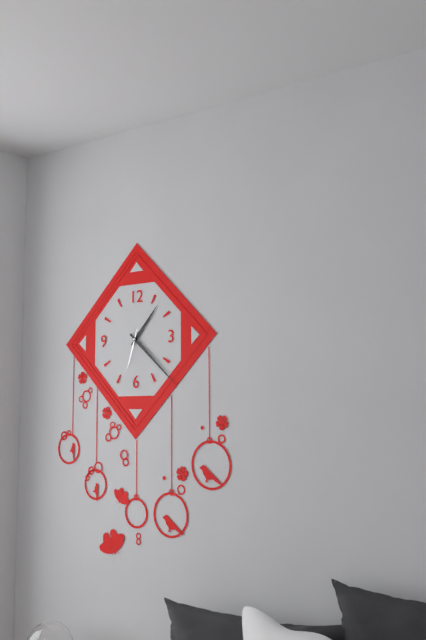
1 h 22 min
